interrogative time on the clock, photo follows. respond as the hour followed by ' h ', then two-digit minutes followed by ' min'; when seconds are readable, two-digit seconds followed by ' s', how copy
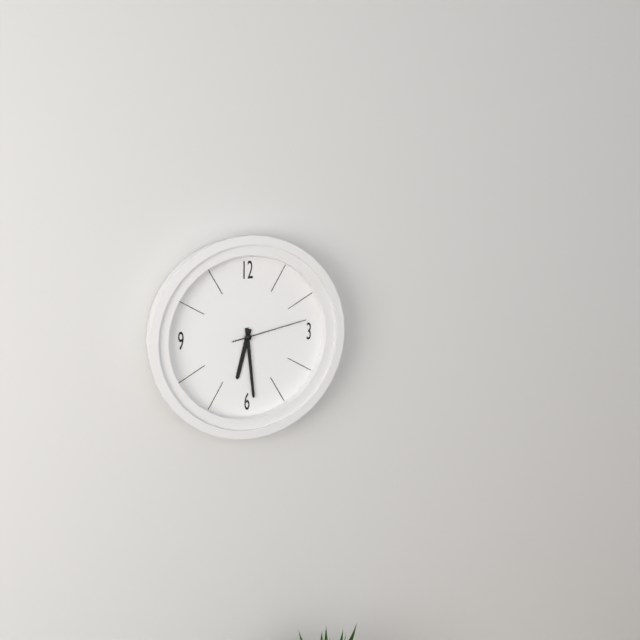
6 h 29 min 13 s
